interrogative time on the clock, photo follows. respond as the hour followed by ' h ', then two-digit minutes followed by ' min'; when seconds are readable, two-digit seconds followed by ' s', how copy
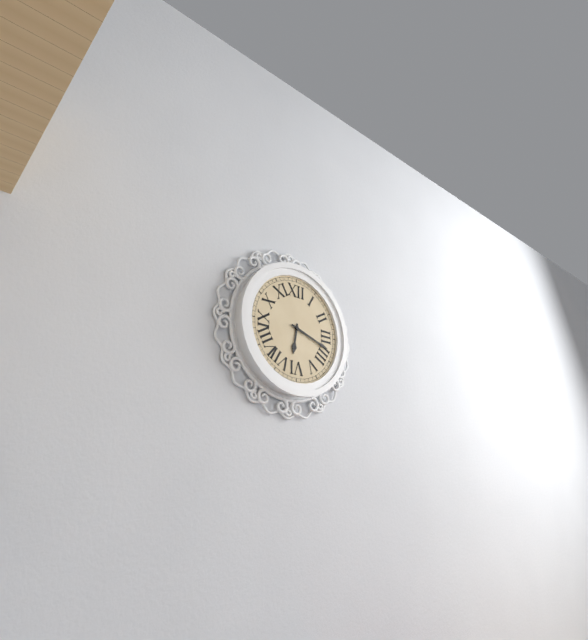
6 h 18 min
